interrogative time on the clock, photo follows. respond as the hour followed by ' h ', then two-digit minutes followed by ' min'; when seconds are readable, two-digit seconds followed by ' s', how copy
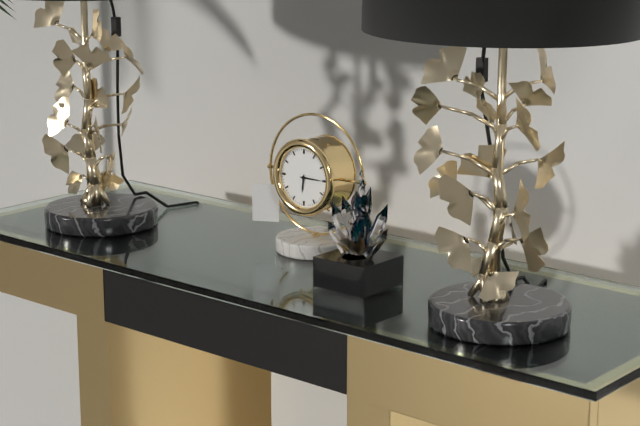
6 h 15 min
